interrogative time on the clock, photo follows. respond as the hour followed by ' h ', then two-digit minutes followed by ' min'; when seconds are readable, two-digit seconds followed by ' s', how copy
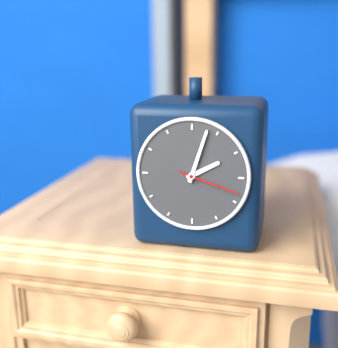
2 h 03 min 18 s
